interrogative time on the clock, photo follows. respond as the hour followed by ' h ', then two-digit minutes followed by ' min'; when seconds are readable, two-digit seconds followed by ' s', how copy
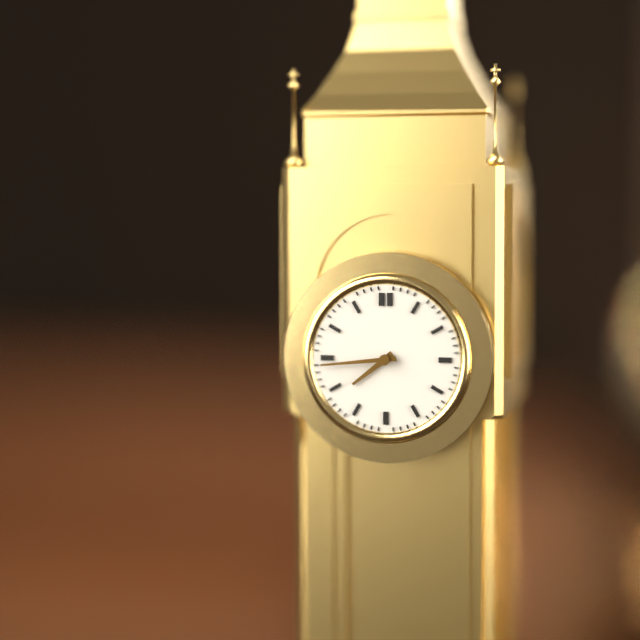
7 h 44 min
